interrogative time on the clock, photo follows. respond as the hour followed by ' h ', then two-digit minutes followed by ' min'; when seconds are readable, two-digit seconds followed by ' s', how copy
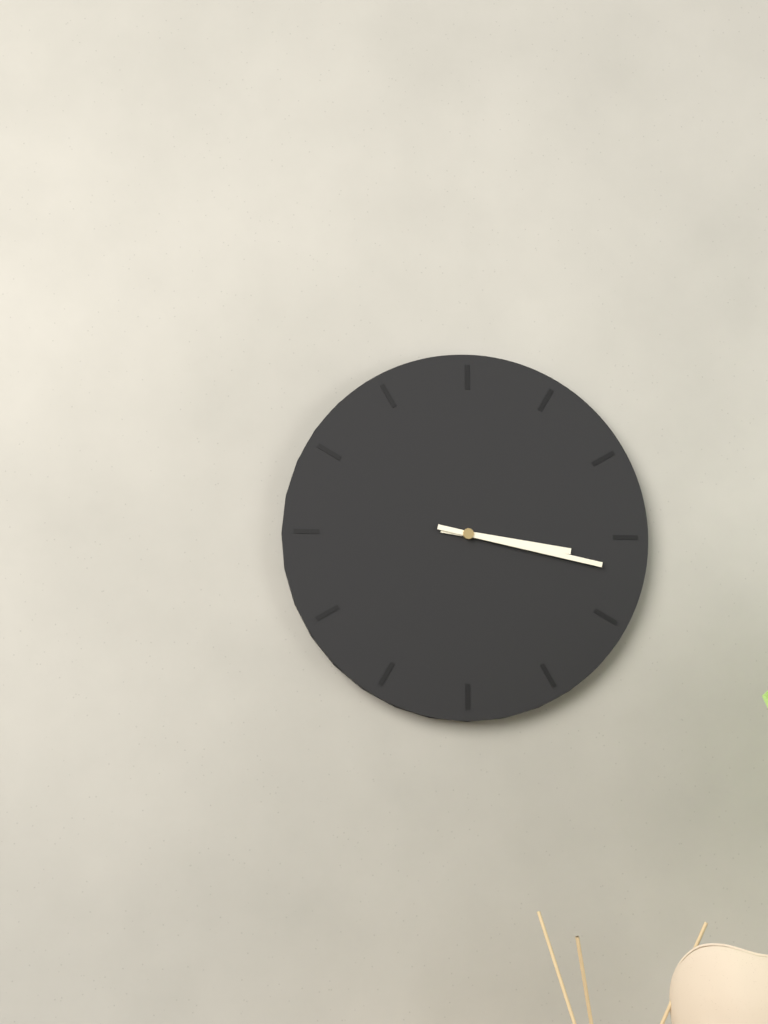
3 h 17 min
